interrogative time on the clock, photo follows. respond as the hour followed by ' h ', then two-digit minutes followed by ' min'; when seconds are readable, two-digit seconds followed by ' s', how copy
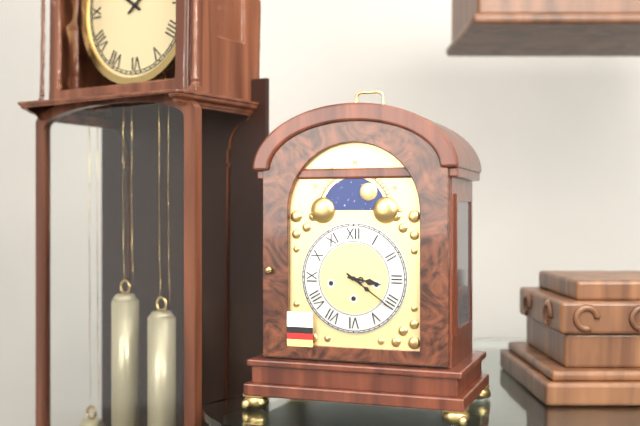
3 h 21 min
